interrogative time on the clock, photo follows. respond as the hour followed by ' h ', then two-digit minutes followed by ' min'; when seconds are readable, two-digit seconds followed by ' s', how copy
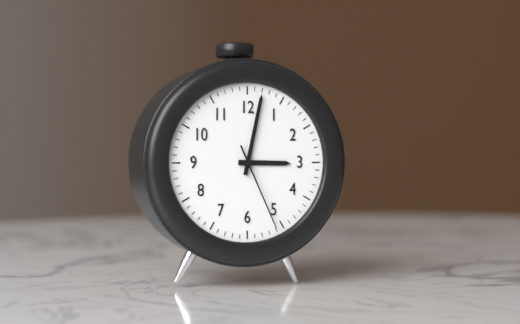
3 h 02 min 26 s
